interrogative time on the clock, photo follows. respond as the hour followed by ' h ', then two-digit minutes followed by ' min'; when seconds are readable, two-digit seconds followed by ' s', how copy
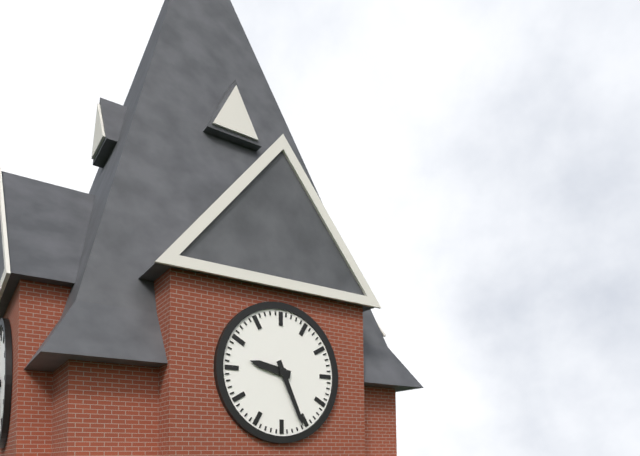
9 h 26 min
